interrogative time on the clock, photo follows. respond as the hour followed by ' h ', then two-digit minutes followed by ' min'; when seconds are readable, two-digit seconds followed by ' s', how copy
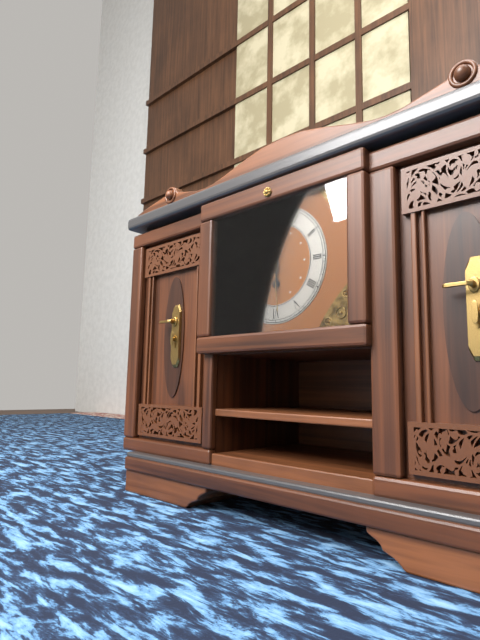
5 h 57 min 29 s
